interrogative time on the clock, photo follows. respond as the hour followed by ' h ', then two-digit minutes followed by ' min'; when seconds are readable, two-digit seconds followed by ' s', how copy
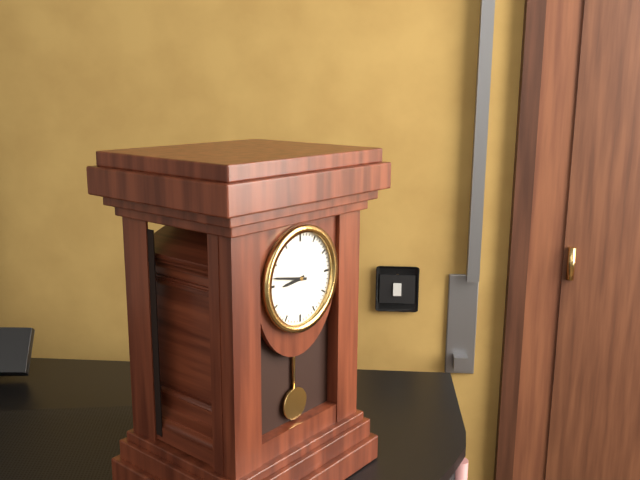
8 h 47 min
